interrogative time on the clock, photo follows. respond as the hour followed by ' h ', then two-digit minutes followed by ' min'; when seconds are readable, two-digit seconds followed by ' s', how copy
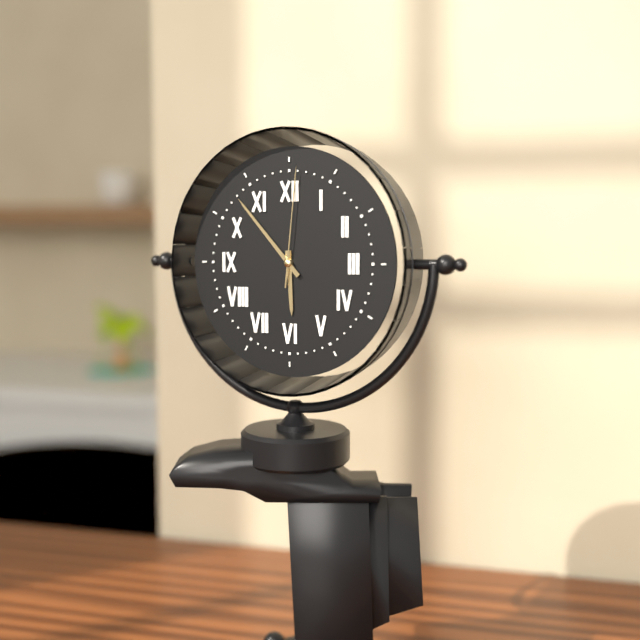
5 h 53 min 01 s
